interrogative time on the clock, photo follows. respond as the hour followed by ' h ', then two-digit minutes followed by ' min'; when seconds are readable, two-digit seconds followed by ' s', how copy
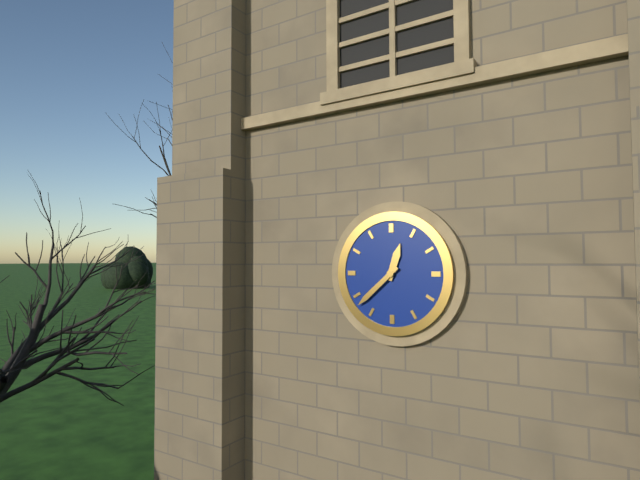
12 h 38 min
